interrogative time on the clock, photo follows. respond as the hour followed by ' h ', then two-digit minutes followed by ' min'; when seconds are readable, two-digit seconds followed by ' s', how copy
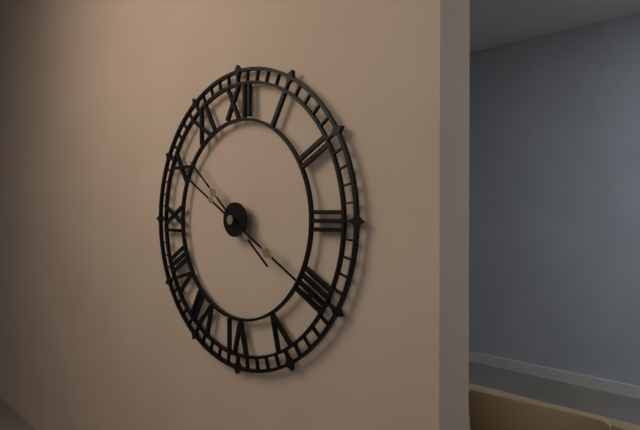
10 h 20 min
